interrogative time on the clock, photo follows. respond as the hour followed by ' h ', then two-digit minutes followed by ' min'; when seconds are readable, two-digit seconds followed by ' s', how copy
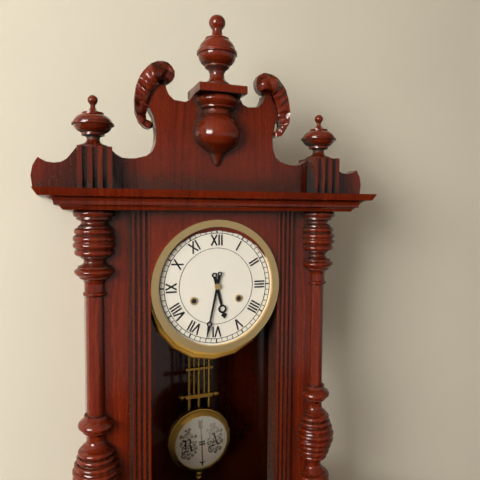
5 h 32 min
